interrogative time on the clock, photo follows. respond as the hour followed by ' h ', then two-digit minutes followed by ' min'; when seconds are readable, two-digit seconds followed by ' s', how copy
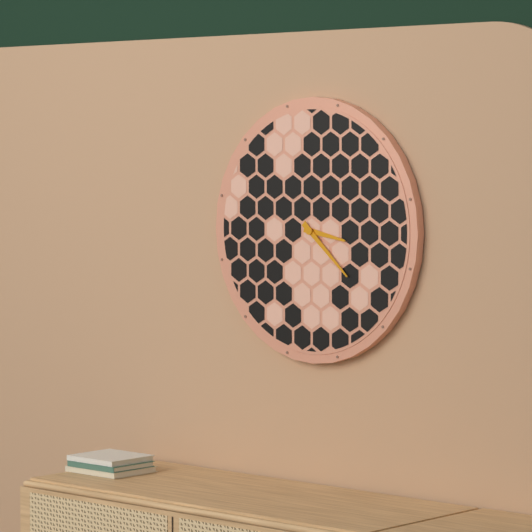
3 h 22 min
